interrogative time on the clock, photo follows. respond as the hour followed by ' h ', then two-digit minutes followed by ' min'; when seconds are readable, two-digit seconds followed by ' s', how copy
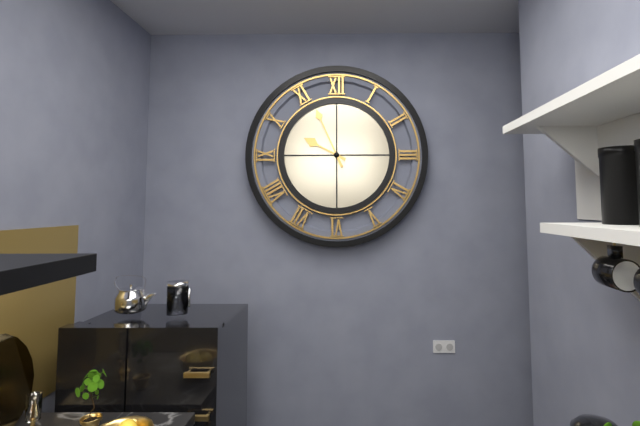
9 h 56 min
